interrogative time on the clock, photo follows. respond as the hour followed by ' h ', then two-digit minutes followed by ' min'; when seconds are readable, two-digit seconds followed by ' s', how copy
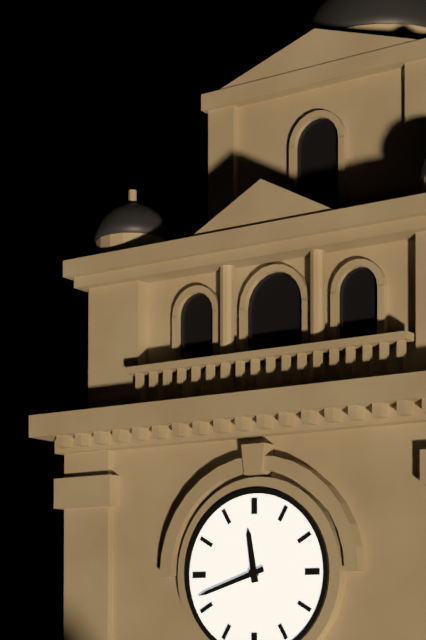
11 h 42 min
